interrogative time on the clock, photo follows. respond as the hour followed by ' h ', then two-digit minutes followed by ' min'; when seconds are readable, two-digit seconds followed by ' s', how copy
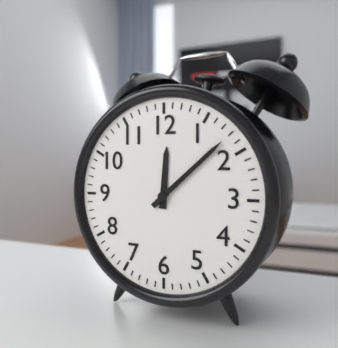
12 h 08 min
